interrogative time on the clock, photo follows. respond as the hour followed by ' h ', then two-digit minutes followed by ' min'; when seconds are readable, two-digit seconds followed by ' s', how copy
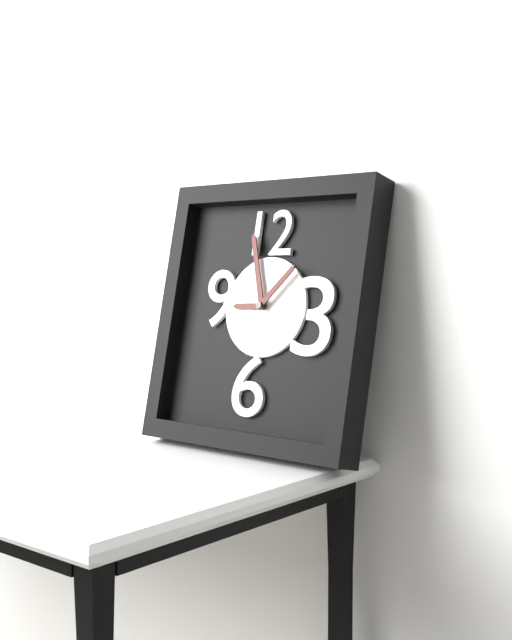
8 h 57 min 07 s
